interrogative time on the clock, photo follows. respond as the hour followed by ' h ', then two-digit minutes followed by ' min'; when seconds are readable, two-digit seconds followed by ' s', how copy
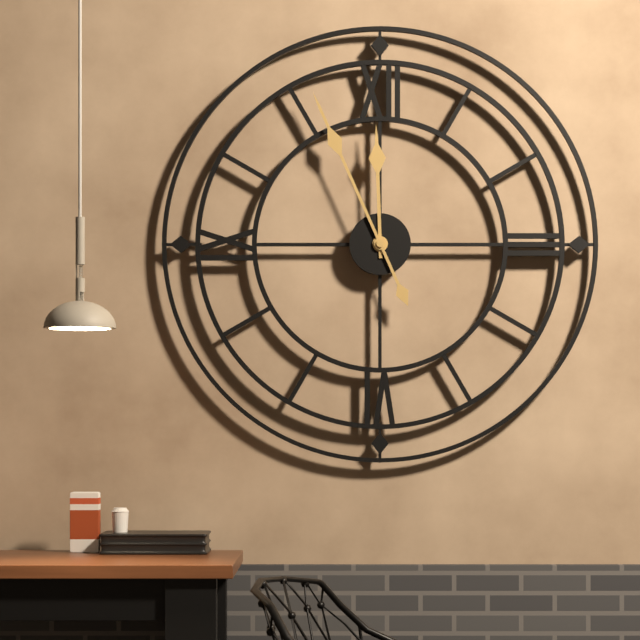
11 h 56 min
